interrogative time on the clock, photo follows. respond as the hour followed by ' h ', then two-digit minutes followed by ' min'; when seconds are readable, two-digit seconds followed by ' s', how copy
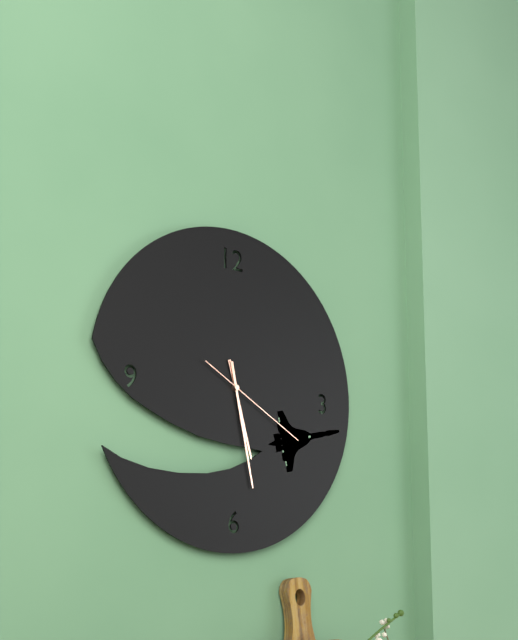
5 h 28 min 20 s
